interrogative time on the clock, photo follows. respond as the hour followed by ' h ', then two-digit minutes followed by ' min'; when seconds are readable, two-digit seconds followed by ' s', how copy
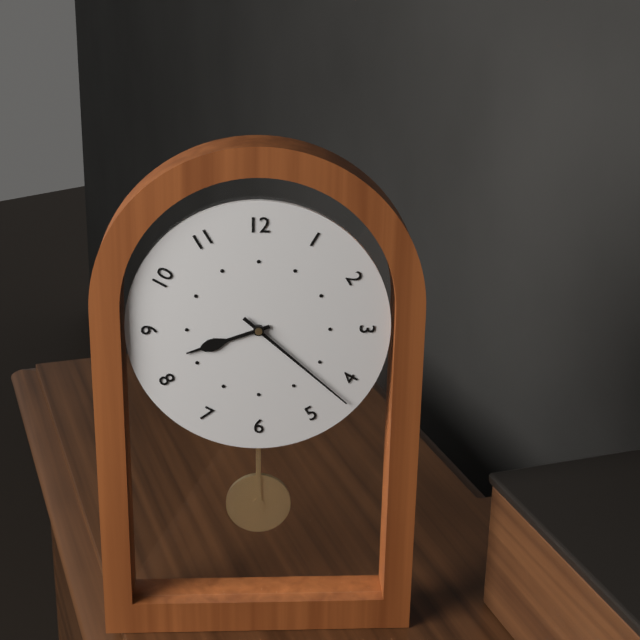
8 h 22 min
